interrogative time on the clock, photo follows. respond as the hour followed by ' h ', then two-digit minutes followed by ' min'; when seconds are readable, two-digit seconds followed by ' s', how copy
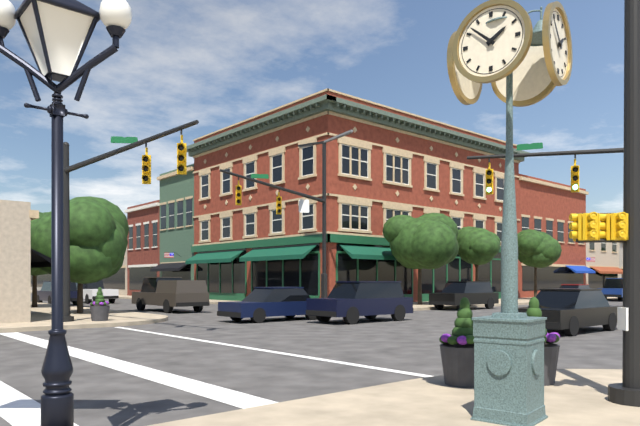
1 h 52 min
